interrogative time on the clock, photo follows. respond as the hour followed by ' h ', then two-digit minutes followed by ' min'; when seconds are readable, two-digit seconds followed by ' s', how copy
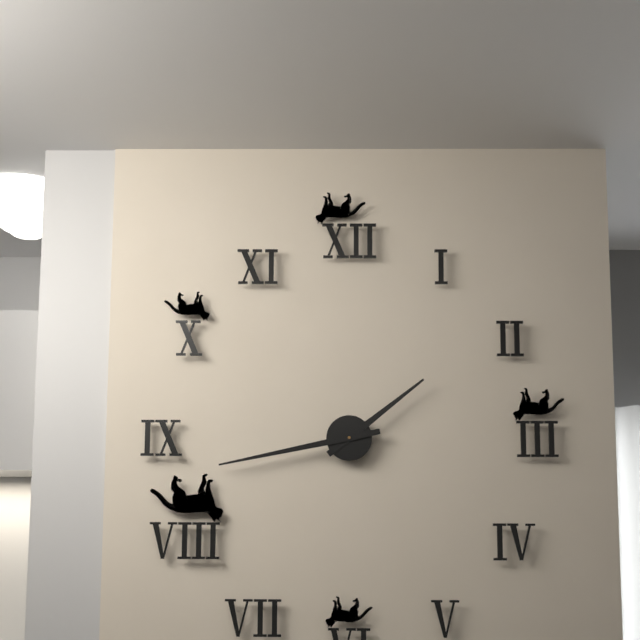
1 h 43 min
